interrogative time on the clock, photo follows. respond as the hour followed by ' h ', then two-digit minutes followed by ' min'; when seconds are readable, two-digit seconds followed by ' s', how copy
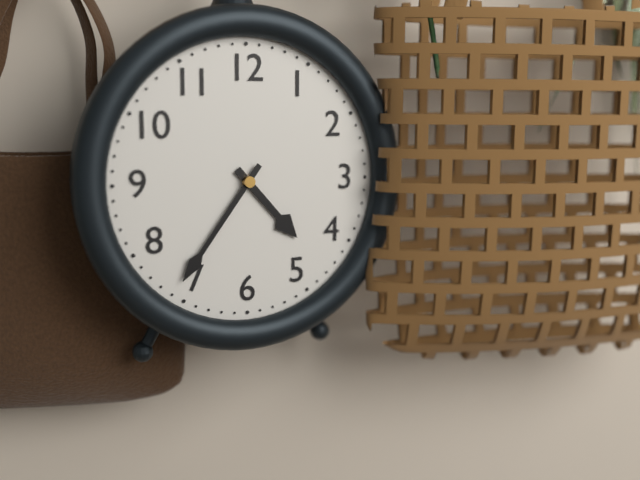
4 h 36 min
